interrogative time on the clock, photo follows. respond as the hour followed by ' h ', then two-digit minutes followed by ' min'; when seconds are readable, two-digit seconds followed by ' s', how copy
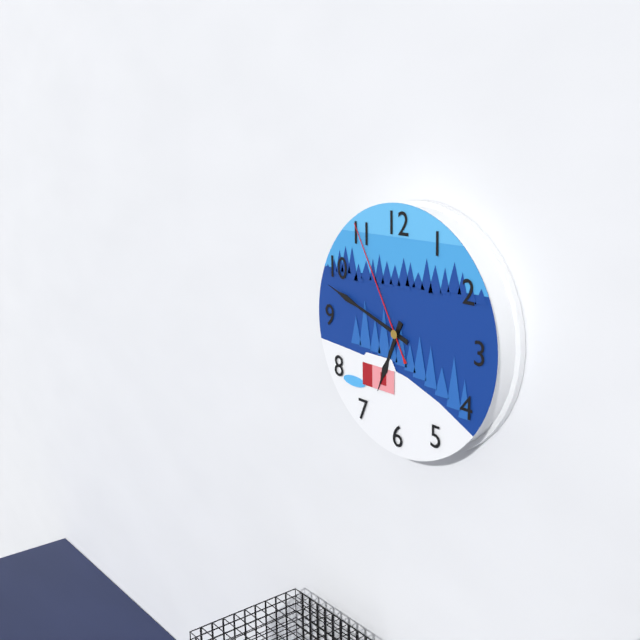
6 h 48 min 55 s
